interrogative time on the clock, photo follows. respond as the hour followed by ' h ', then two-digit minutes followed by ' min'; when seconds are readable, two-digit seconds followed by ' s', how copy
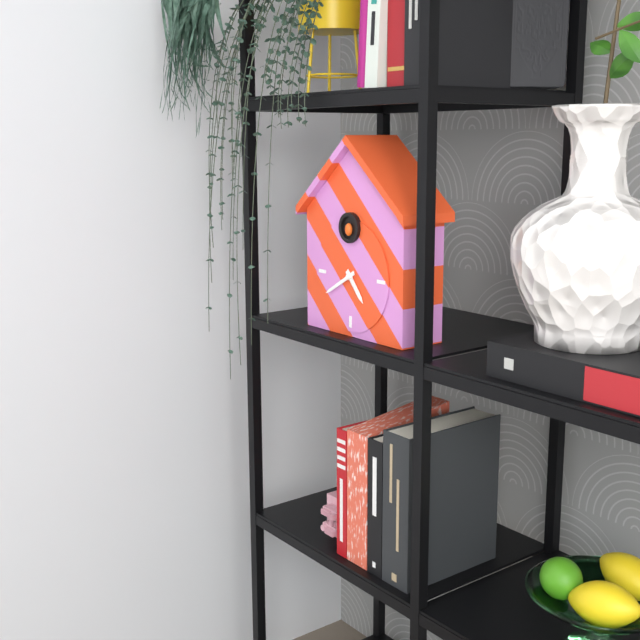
4 h 40 min
